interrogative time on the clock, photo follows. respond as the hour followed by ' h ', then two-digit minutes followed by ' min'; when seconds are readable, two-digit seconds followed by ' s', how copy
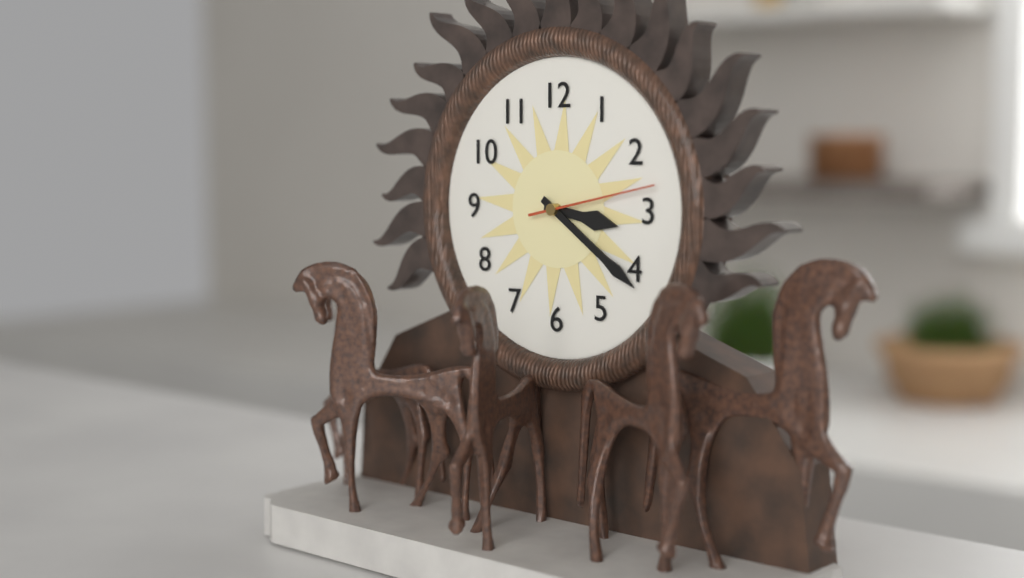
3 h 21 min 13 s
